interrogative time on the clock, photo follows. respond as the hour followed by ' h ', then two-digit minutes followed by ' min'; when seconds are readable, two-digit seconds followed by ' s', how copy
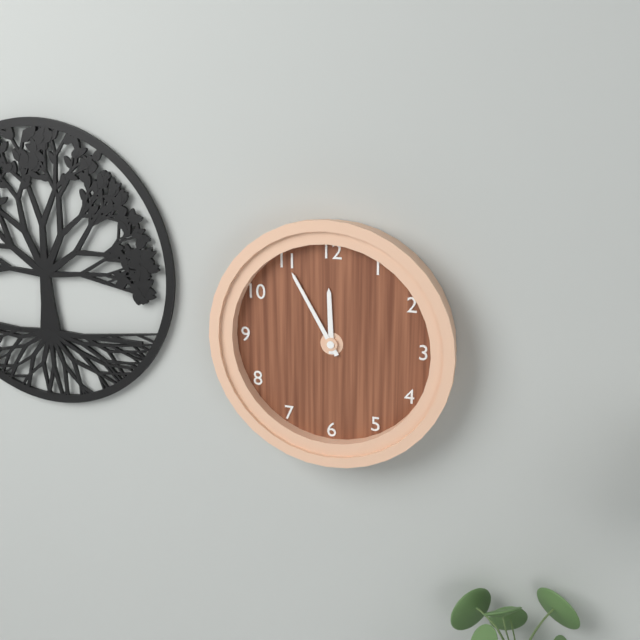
11 h 55 min
